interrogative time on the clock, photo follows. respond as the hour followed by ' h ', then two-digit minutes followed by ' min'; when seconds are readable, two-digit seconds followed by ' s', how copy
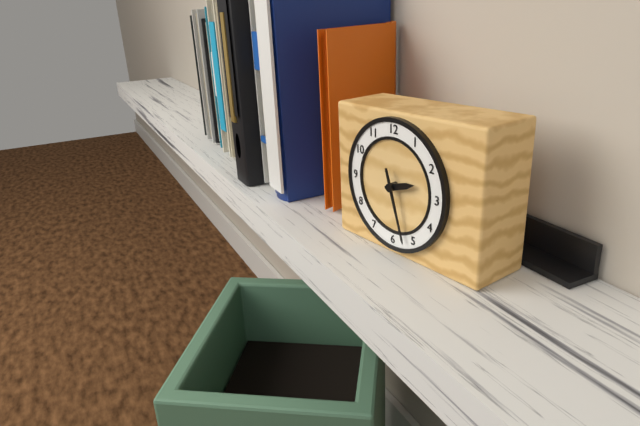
2 h 27 min
